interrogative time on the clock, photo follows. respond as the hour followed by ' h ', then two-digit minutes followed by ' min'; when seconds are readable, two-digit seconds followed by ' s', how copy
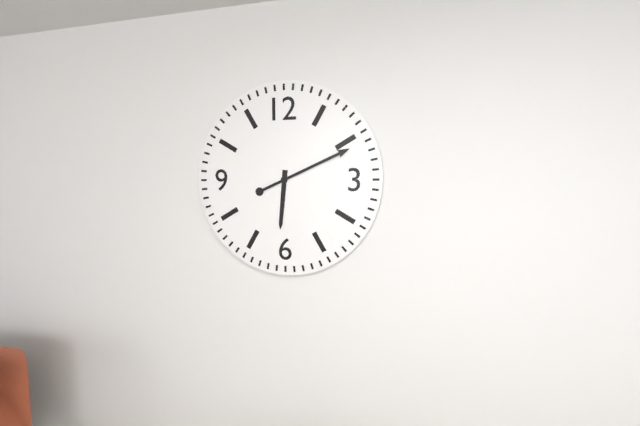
6 h 11 min
